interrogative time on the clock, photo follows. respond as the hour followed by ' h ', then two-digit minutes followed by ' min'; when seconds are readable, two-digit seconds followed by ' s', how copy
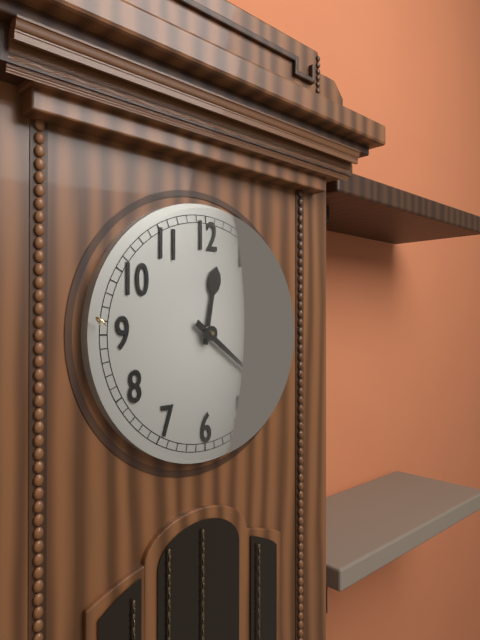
12 h 21 min
